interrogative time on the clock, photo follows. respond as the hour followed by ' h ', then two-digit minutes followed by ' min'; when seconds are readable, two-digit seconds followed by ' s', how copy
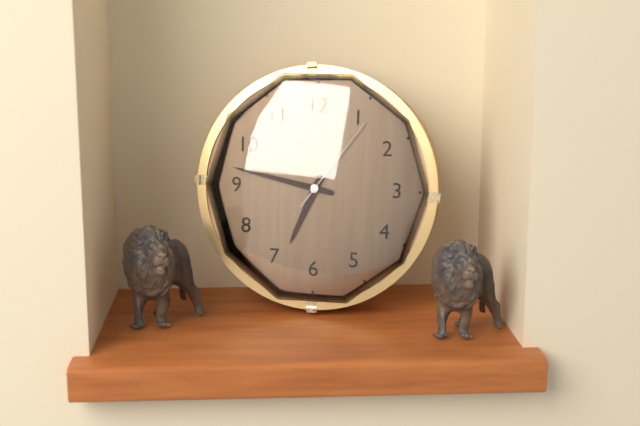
6 h 47 min 06 s
